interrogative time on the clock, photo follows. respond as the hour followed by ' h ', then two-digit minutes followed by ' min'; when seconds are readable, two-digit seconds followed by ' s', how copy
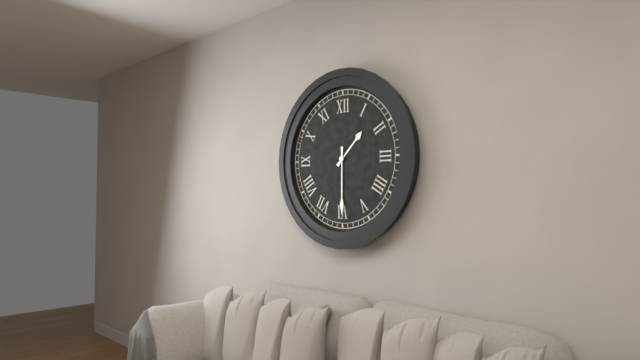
1 h 30 min
